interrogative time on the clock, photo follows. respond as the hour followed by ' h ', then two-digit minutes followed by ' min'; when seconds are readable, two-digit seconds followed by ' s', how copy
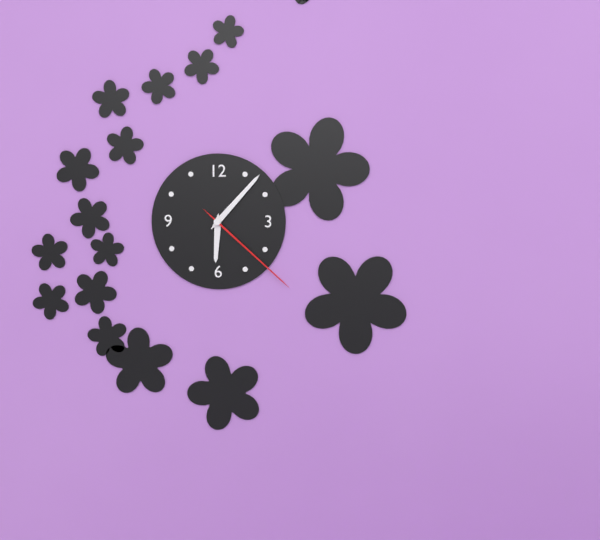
6 h 07 min 22 s
